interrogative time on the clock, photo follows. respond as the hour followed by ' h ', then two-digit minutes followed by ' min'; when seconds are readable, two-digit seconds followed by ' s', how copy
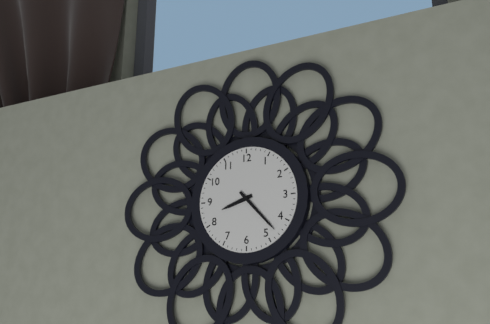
8 h 23 min
